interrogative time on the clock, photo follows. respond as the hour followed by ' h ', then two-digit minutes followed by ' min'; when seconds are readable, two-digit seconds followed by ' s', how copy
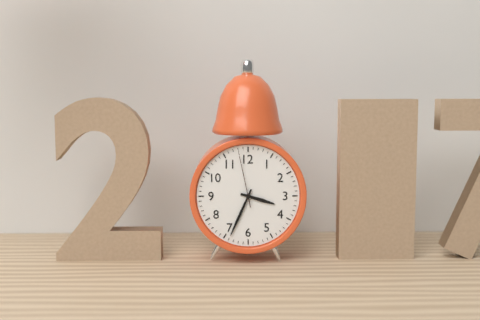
3 h 34 min 58 s
